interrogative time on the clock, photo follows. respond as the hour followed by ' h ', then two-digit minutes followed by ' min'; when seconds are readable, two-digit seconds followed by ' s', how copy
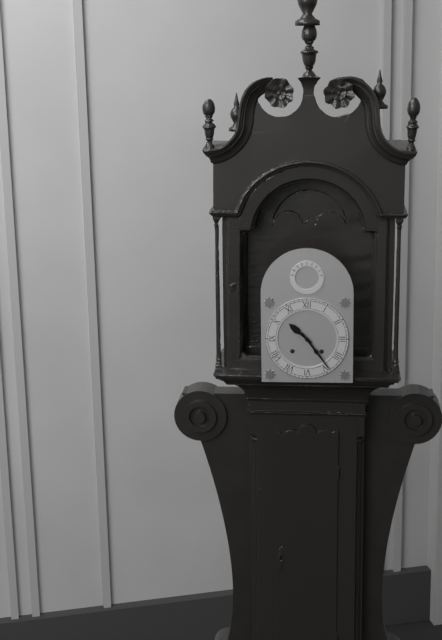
10 h 24 min
